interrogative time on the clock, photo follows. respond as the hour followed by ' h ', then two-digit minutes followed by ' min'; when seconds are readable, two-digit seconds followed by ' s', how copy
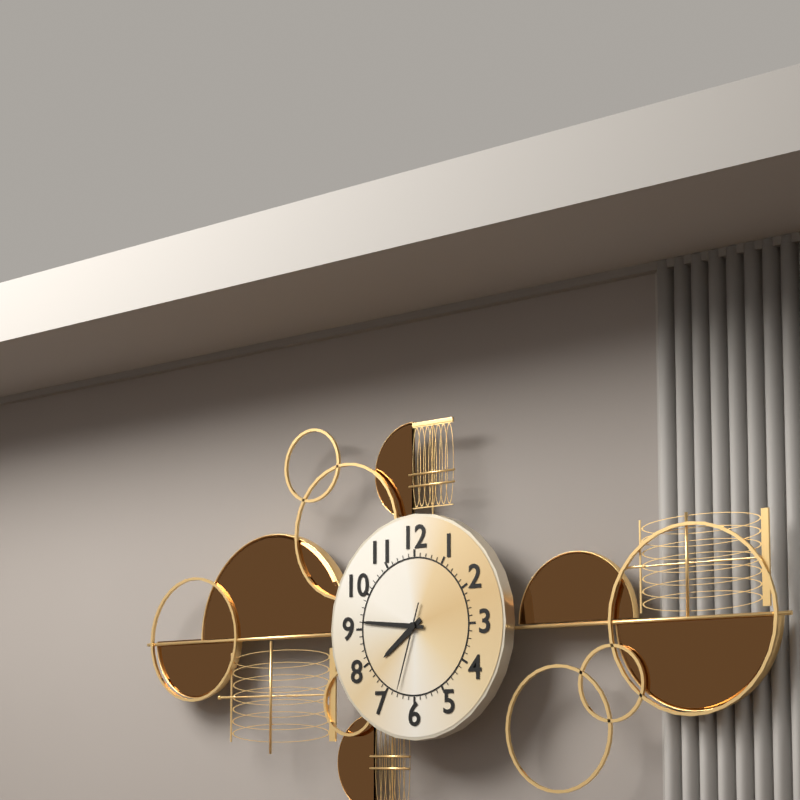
7 h 46 min 33 s
